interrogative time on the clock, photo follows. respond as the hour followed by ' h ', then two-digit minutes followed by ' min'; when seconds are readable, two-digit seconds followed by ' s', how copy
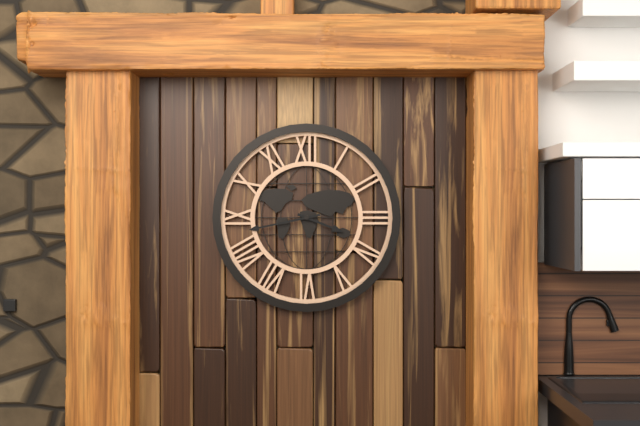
3 h 43 min
